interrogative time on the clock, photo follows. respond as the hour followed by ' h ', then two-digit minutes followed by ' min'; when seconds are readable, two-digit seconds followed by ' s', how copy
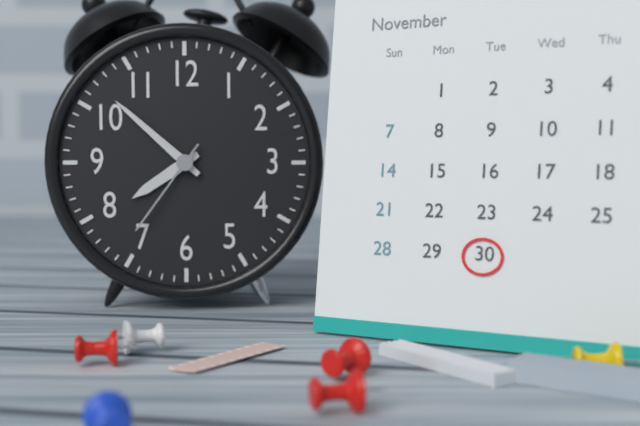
7 h 52 min 36 s
